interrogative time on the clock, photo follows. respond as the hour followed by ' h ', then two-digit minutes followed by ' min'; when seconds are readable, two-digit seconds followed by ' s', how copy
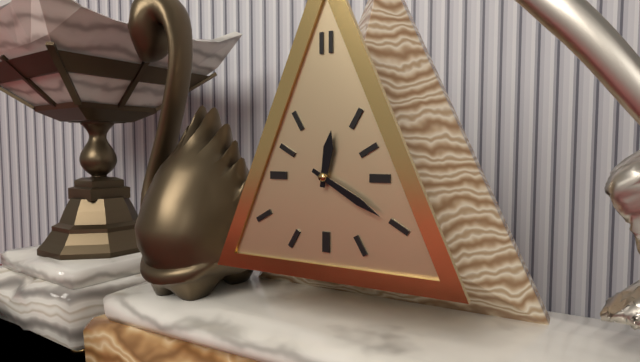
12 h 20 min
